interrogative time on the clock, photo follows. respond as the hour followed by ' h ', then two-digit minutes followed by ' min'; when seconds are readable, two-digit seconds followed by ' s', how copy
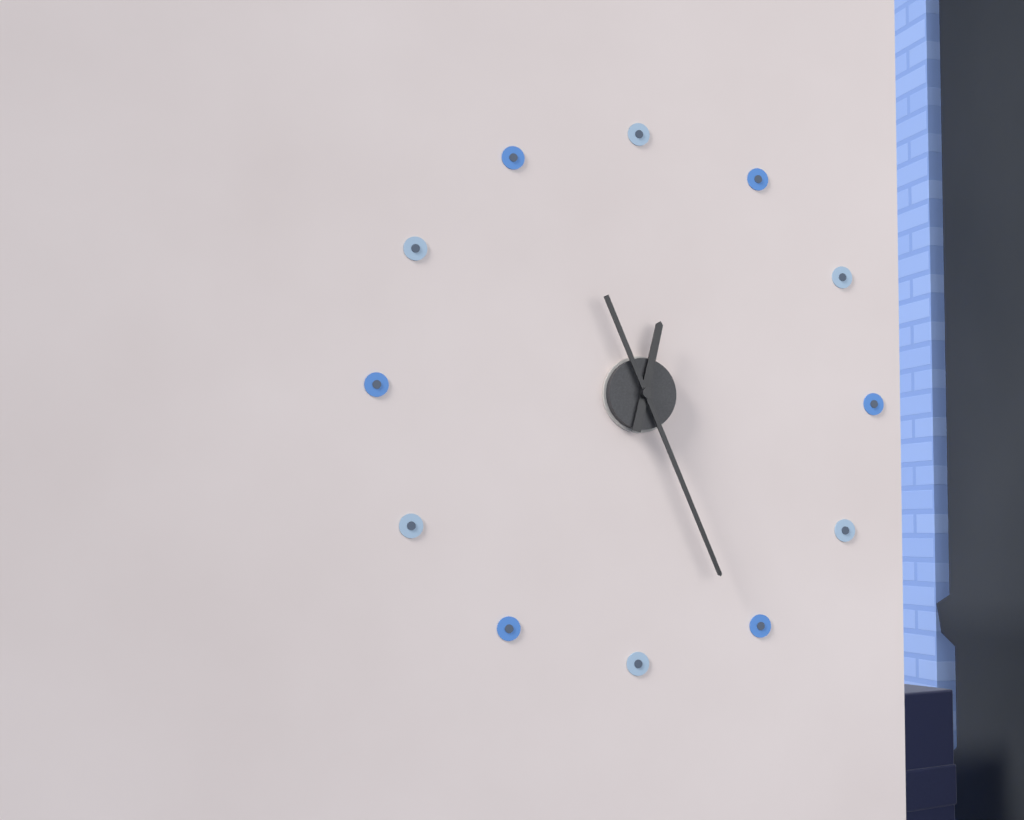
12 h 26 min
